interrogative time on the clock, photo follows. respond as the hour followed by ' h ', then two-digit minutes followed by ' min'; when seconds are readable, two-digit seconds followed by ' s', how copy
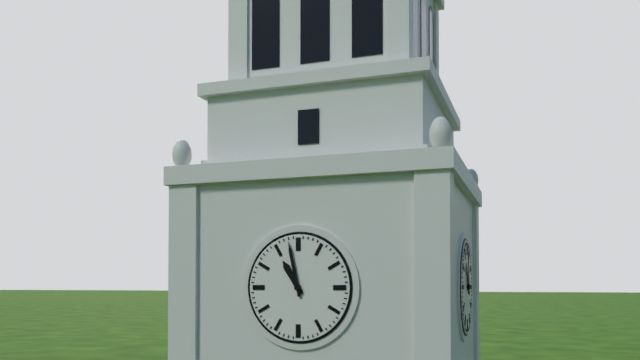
10 h 58 min
